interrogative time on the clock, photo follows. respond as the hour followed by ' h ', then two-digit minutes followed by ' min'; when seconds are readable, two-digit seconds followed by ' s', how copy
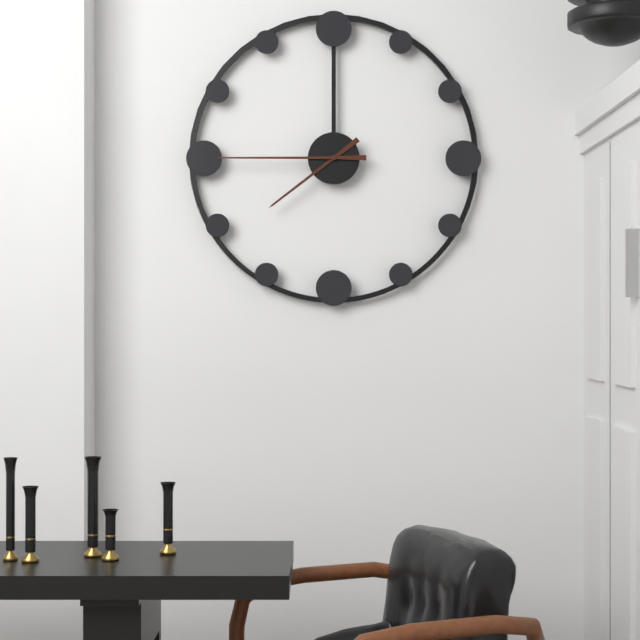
7 h 45 min
